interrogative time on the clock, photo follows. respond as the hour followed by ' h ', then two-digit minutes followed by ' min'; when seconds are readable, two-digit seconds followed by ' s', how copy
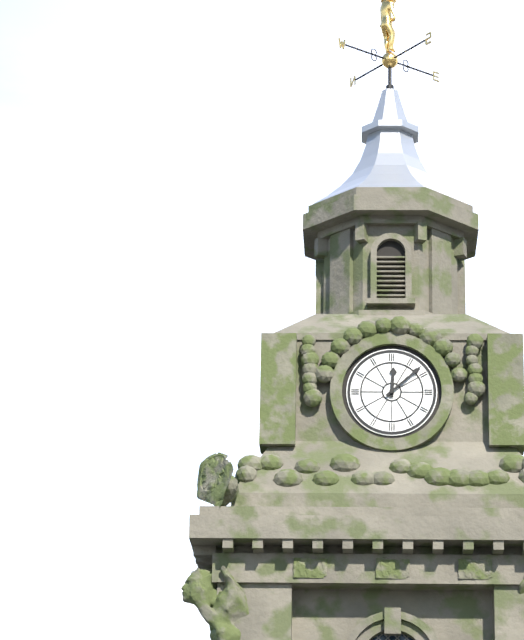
12 h 08 min
